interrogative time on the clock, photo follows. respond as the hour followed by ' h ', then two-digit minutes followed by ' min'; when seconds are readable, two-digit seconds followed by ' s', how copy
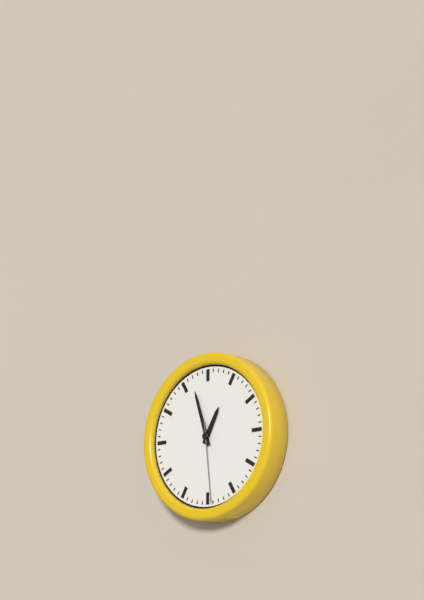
12 h 57 min 29 s
